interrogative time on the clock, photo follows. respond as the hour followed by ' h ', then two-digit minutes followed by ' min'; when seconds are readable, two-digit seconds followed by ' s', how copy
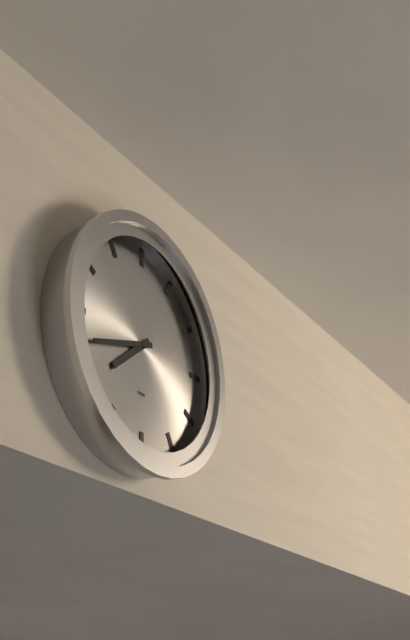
7 h 42 min
